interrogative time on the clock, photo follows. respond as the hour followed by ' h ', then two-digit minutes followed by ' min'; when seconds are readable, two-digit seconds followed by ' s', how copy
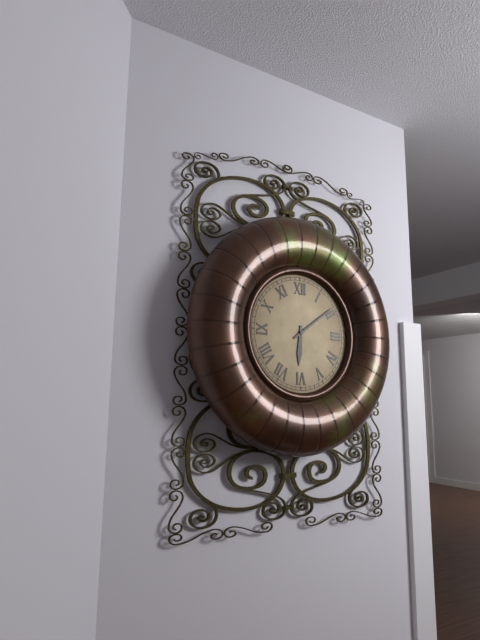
6 h 09 min
